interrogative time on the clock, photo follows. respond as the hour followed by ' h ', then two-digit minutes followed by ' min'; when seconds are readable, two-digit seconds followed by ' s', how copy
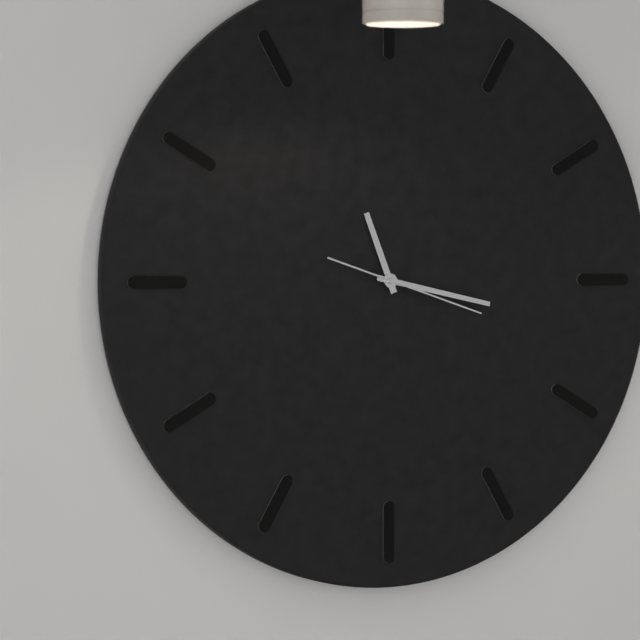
11 h 17 min 18 s
